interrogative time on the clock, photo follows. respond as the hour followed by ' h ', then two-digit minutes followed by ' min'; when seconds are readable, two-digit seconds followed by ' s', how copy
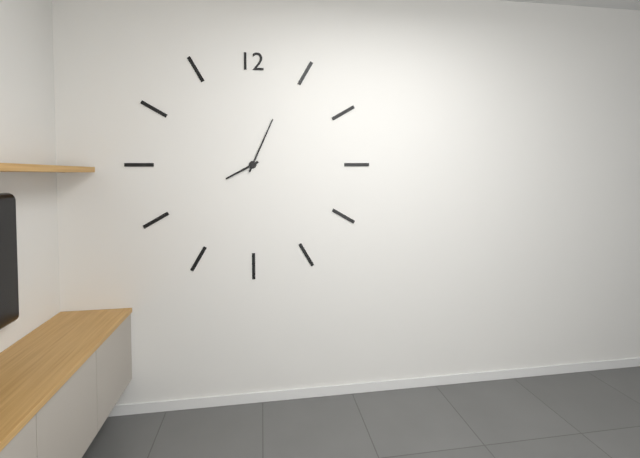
8 h 04 min
